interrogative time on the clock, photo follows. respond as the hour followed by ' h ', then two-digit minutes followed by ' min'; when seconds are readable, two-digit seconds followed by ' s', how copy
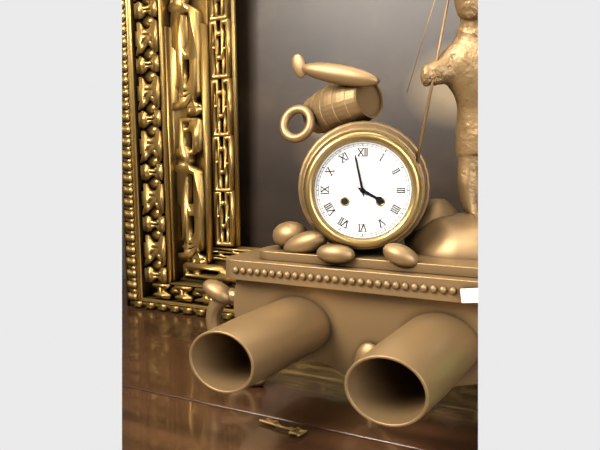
3 h 58 min
